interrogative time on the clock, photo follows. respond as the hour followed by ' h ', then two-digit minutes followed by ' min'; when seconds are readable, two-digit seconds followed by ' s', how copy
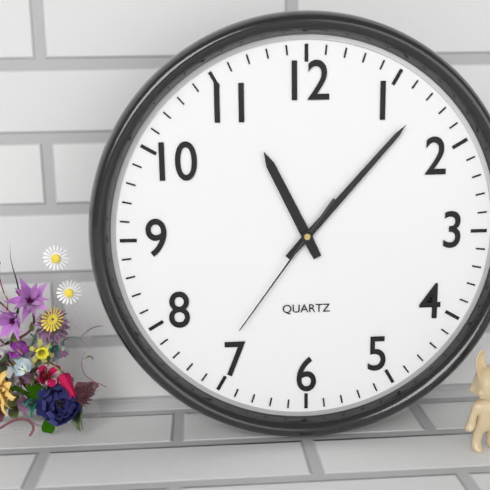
11 h 07 min 36 s
